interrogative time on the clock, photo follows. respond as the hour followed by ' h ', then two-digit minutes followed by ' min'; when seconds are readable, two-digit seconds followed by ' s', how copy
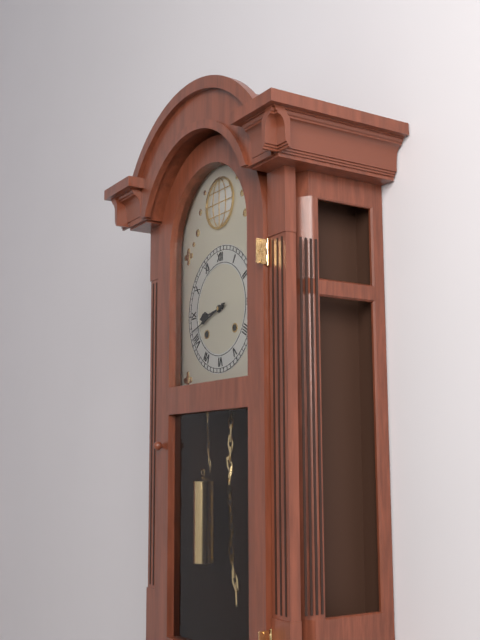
8 h 42 min
